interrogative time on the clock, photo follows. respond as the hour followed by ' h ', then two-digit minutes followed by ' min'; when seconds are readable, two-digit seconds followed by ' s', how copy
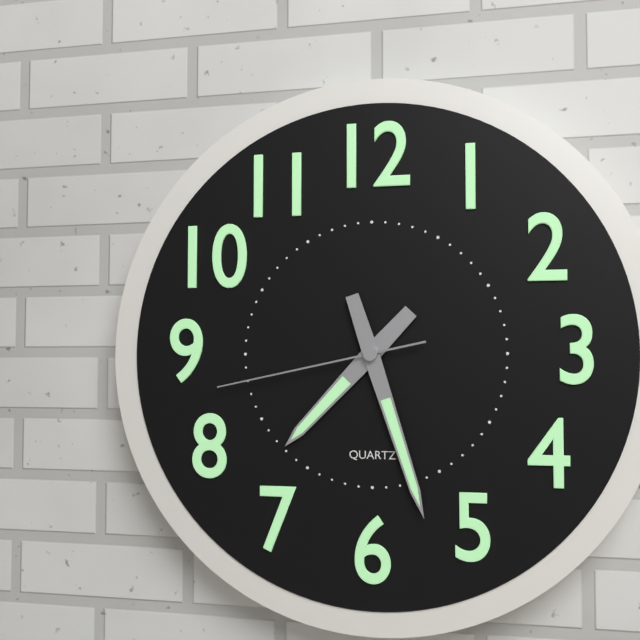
7 h 27 min 43 s
